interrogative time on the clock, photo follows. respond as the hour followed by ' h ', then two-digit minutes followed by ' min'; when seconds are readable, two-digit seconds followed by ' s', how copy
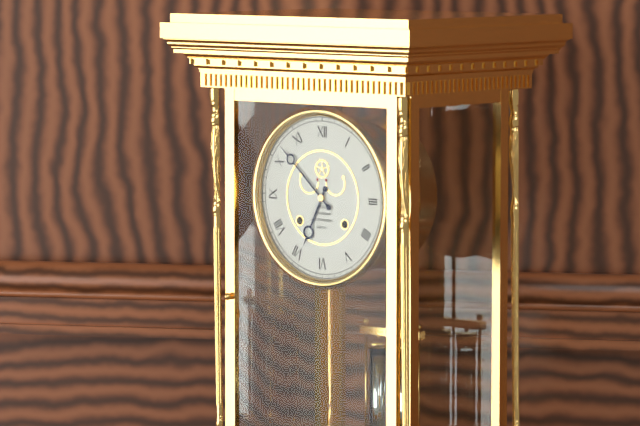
6 h 52 min
